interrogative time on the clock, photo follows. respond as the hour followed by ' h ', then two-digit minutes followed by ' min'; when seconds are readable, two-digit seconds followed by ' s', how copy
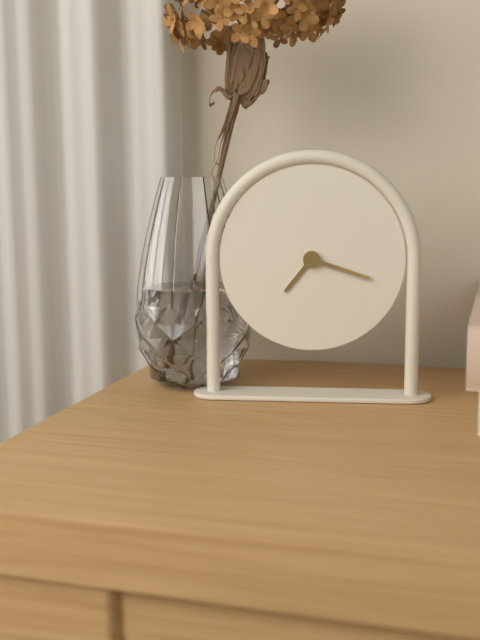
7 h 18 min
